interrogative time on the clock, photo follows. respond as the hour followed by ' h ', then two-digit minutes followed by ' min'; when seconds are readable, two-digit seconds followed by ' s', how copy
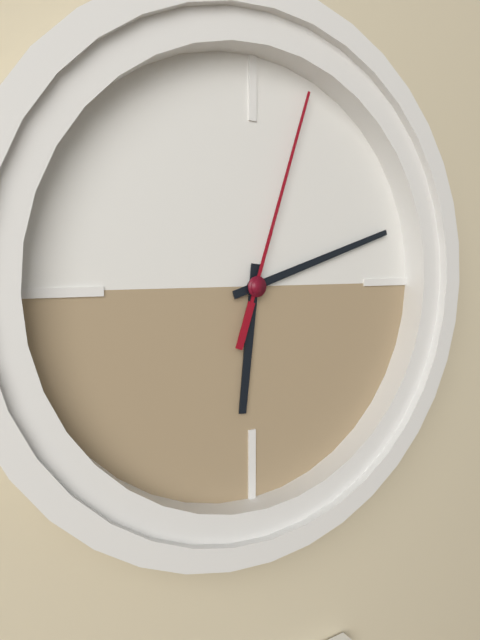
6 h 12 min 03 s
